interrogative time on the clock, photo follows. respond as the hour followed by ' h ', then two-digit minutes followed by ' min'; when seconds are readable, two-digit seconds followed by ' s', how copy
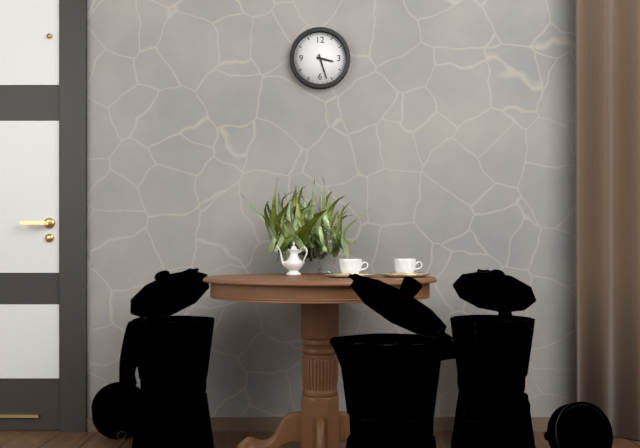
3 h 27 min
